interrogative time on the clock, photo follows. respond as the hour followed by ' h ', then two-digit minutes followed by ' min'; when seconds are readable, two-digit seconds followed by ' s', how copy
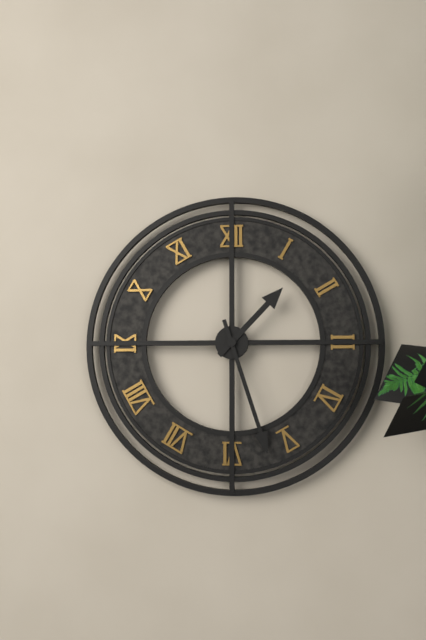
1 h 27 min
